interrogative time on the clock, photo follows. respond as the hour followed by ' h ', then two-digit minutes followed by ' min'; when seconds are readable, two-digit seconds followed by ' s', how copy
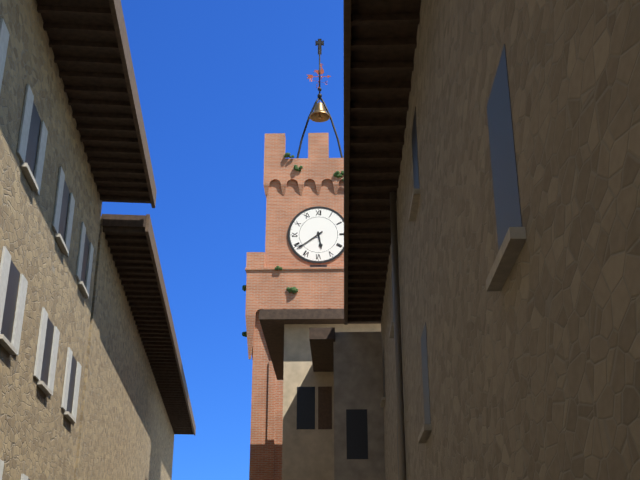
5 h 39 min
